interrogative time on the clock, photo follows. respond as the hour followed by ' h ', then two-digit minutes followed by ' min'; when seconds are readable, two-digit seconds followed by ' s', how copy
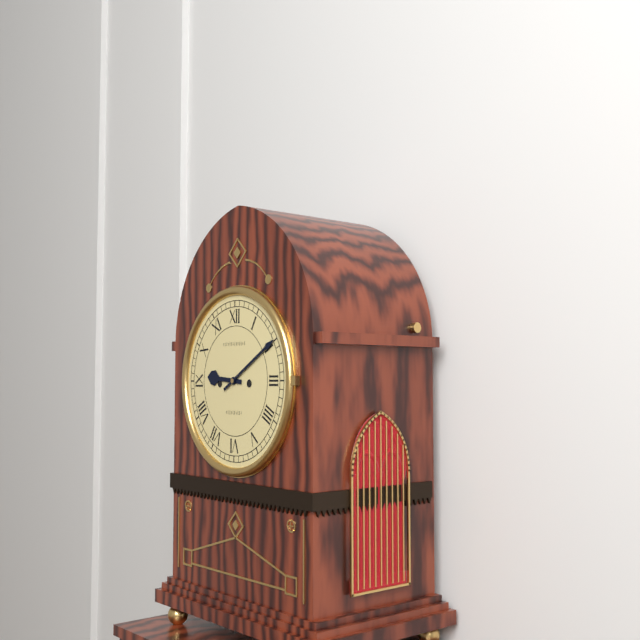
9 h 10 min
